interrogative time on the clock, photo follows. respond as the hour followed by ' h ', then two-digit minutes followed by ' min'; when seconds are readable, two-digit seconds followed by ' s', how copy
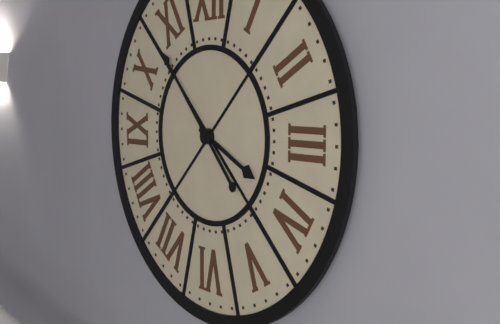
3 h 53 min
